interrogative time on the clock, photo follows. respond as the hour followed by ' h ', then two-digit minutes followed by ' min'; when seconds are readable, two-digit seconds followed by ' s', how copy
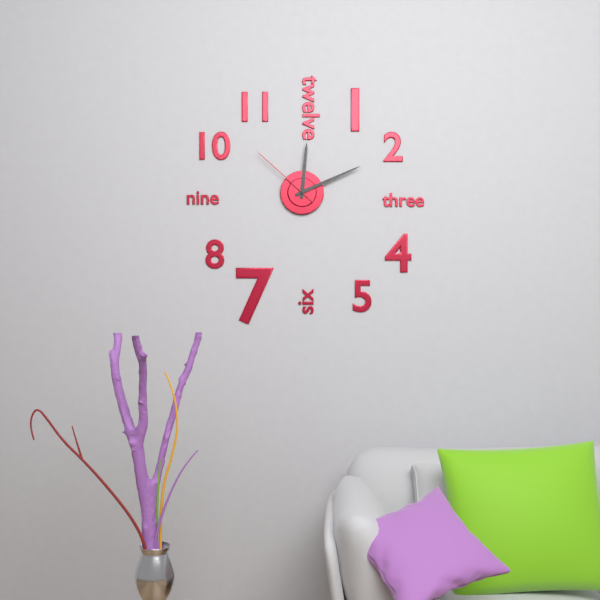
12 h 11 min 52 s
